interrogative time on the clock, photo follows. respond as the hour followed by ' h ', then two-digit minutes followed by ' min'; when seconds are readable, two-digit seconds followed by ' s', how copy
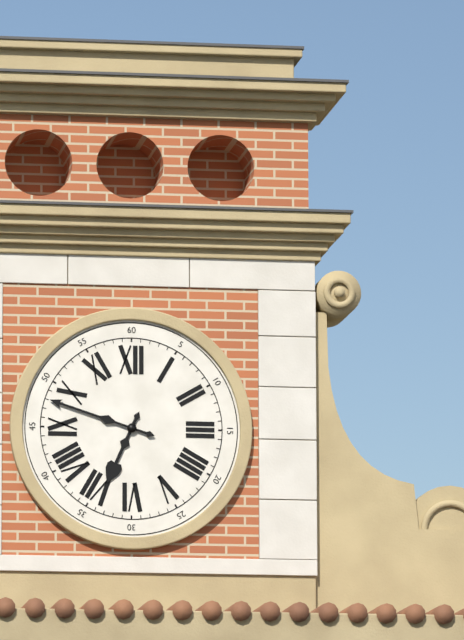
6 h 48 min
